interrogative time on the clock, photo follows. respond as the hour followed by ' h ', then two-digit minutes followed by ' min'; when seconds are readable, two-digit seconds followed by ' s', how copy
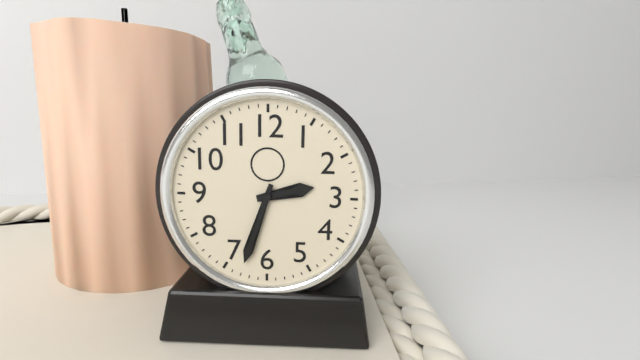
2 h 33 min
